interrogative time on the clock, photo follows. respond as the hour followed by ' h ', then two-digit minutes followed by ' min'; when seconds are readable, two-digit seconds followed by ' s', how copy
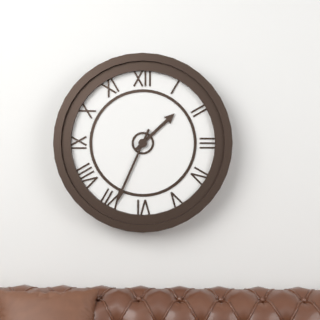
1 h 34 min
